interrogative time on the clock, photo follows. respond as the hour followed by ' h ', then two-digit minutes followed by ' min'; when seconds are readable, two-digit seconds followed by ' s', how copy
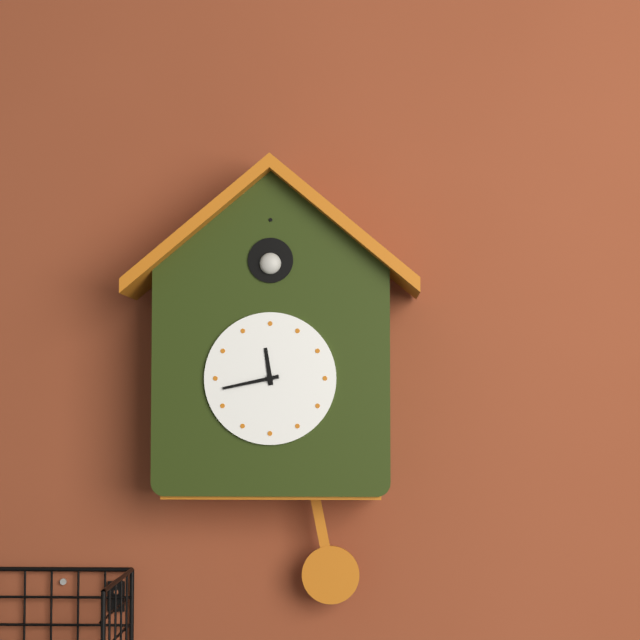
11 h 43 min
